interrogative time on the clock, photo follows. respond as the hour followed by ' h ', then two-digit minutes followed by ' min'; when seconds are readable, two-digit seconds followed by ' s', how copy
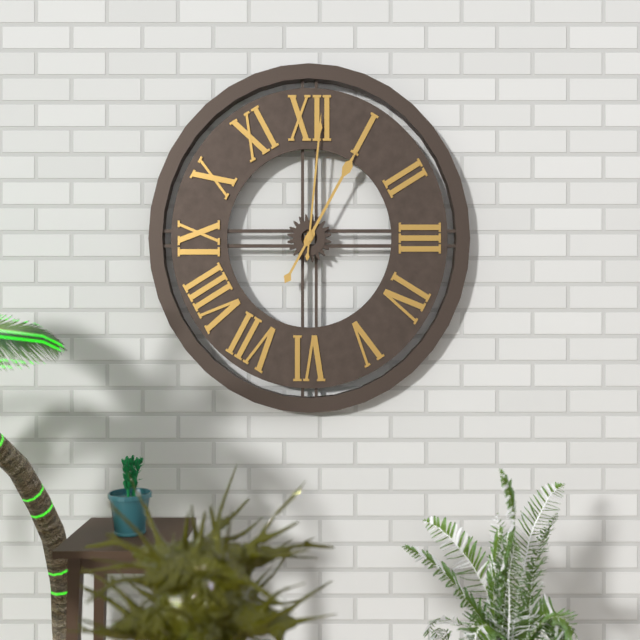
1 h 01 min
